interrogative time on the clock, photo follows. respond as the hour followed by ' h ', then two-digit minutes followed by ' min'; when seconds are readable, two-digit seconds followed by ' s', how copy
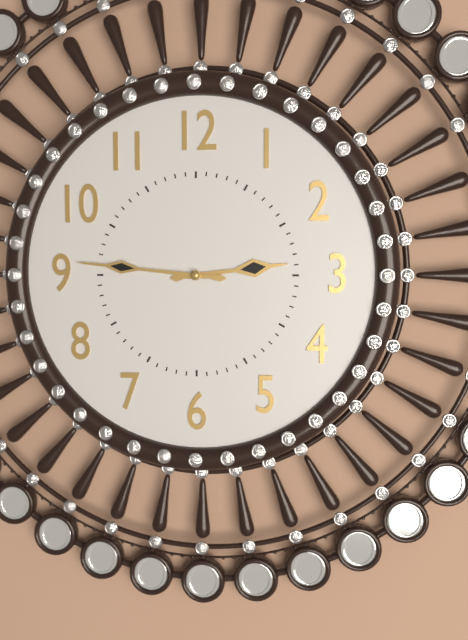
2 h 46 min
